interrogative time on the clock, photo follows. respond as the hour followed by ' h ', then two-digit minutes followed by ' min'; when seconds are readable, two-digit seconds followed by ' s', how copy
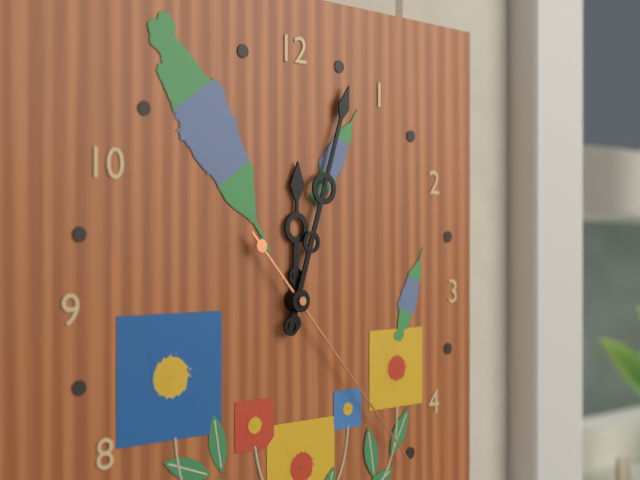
12 h 03 min 23 s
